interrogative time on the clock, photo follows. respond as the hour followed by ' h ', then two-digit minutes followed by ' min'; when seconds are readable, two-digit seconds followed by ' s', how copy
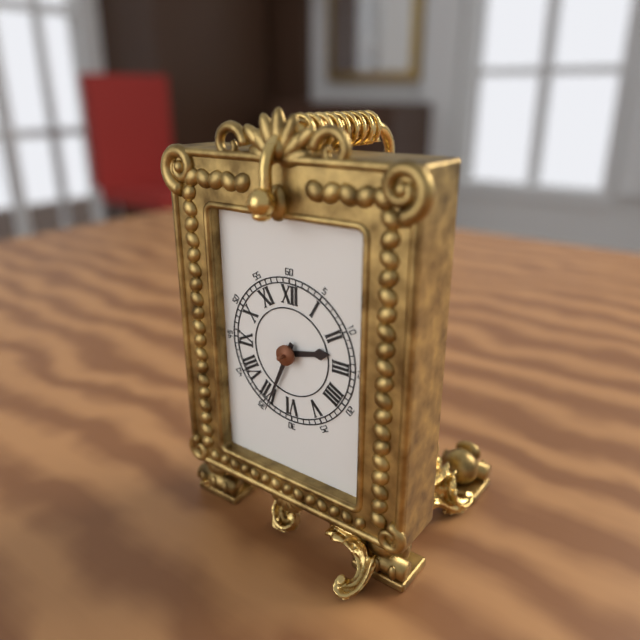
2 h 34 min
